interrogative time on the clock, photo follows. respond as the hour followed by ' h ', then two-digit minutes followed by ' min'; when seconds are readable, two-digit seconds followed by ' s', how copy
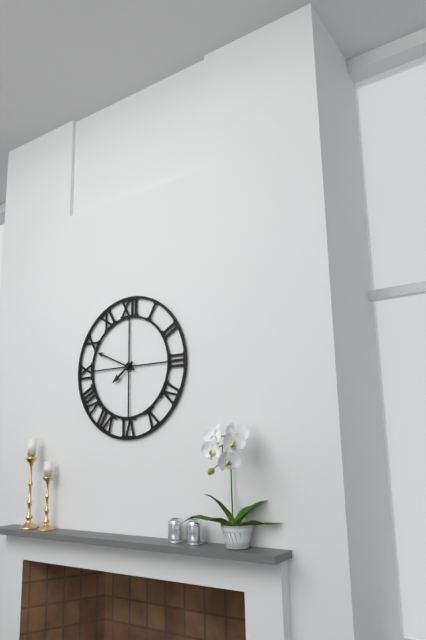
7 h 49 min
